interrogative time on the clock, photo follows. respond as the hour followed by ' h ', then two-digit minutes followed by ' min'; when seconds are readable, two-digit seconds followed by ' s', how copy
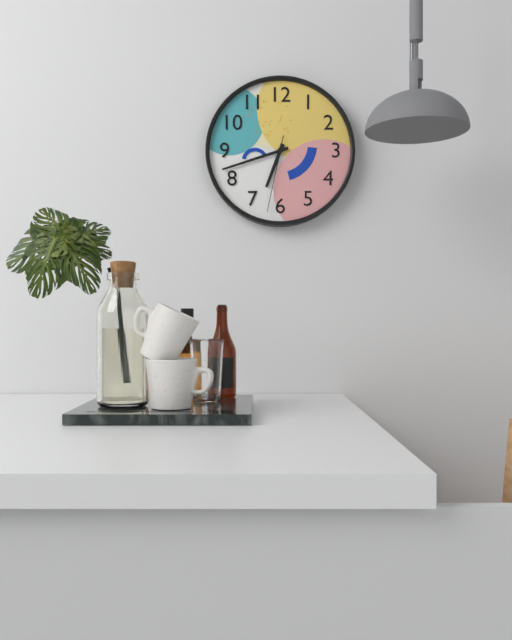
6 h 42 min 32 s
